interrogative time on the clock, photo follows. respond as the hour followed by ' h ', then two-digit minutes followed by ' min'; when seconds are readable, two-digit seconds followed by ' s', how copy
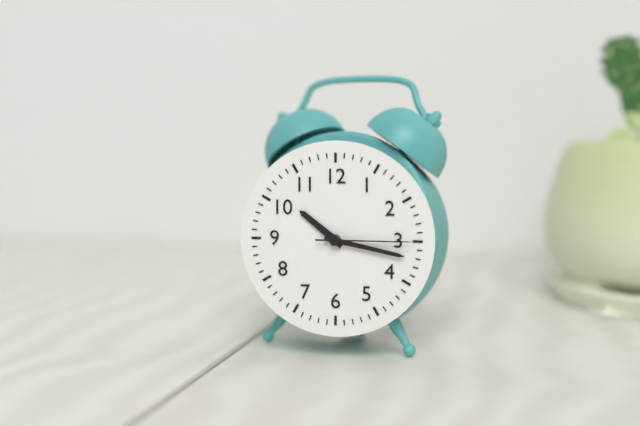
10 h 17 min 15 s
